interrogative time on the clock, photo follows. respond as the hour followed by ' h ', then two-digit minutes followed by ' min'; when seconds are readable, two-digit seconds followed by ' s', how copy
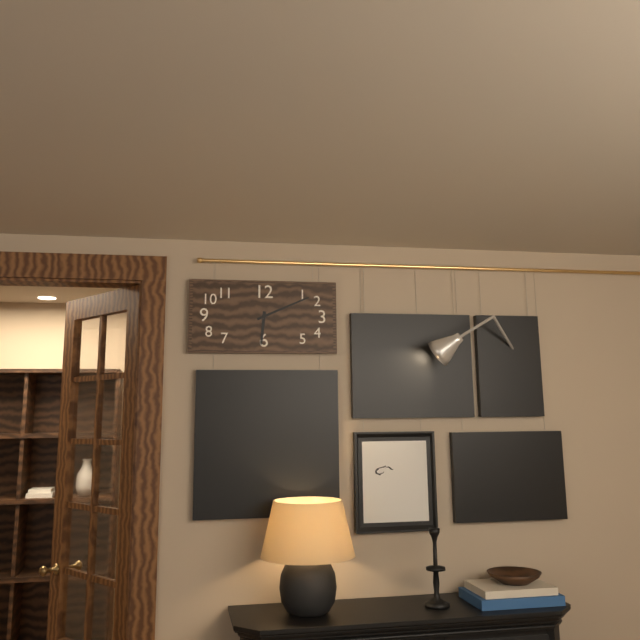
6 h 11 min
